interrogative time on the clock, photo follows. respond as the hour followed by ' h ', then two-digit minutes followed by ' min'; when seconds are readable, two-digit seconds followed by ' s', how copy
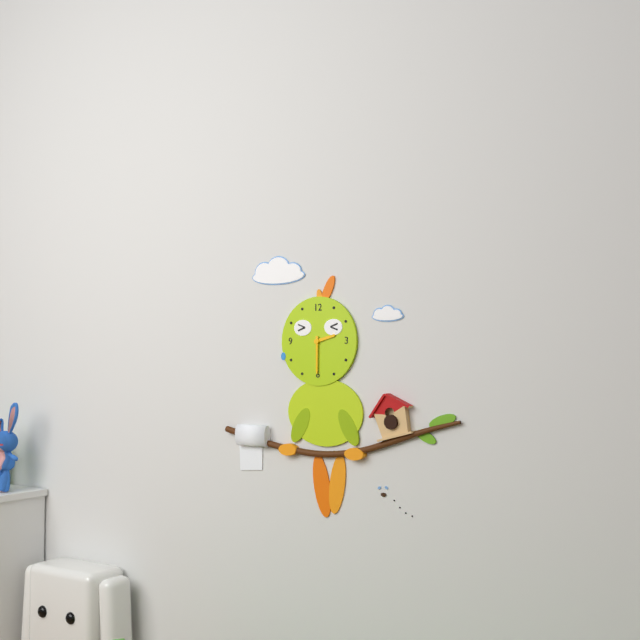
2 h 30 min
